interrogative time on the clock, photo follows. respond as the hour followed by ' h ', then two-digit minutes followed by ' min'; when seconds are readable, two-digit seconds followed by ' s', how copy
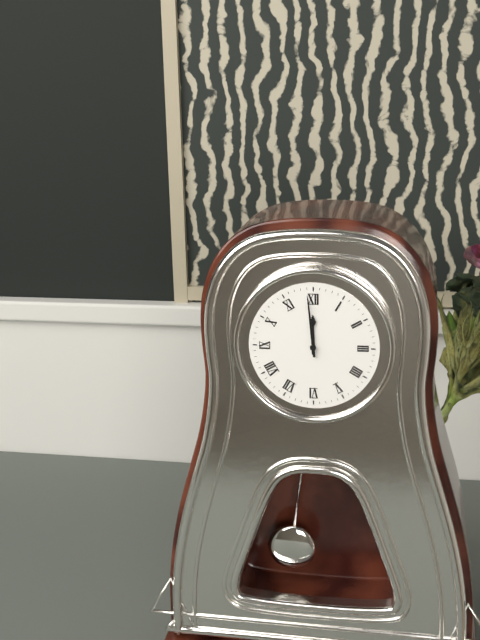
11 h 59 min
